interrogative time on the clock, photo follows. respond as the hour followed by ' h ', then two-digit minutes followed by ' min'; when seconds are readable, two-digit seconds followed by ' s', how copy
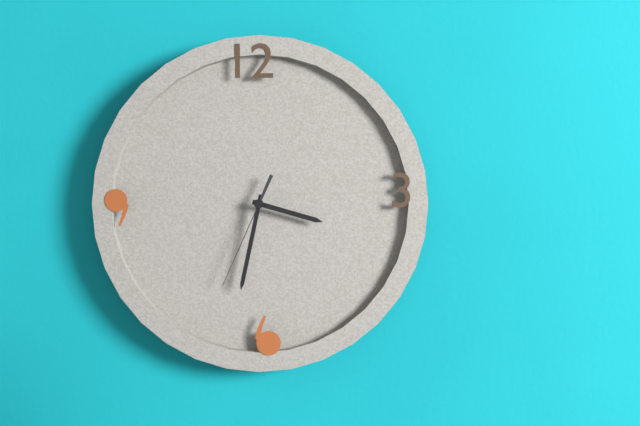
3 h 32 min 34 s
